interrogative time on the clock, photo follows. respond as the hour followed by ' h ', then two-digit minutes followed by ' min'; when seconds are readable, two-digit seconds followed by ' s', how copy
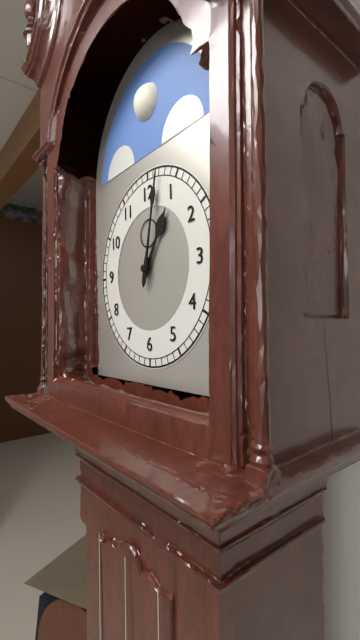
1 h 02 min
